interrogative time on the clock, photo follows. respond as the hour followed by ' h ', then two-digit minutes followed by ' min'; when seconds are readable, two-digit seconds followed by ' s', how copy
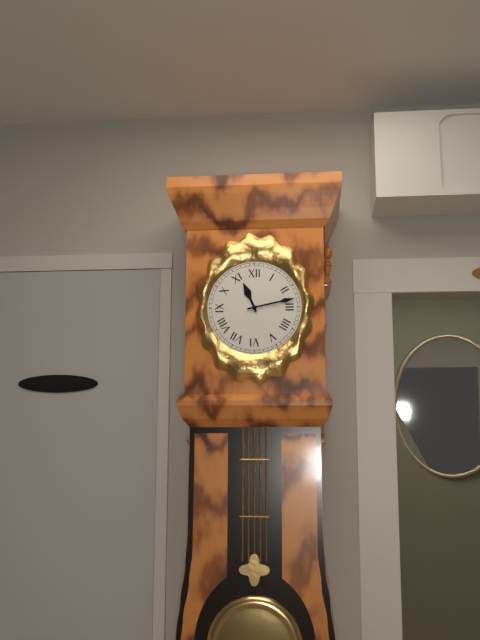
11 h 13 min
